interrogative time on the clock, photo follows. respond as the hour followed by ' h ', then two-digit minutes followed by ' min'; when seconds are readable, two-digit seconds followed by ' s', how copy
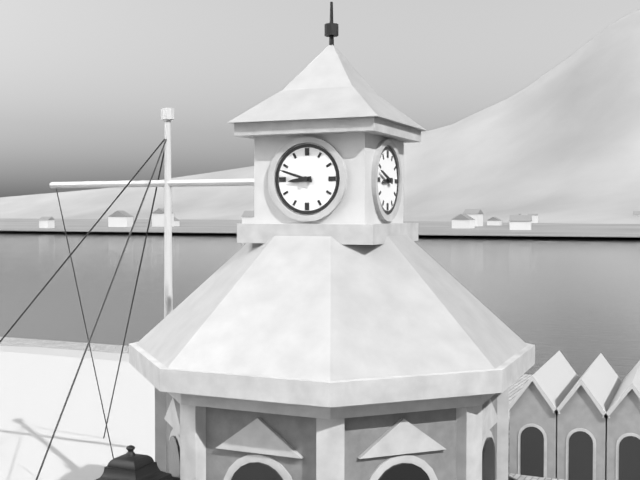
8 h 48 min
